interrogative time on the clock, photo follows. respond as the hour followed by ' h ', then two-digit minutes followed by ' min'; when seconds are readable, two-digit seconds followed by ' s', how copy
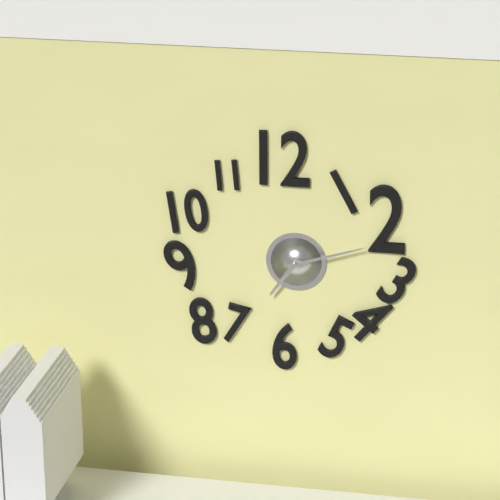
7 h 12 min
